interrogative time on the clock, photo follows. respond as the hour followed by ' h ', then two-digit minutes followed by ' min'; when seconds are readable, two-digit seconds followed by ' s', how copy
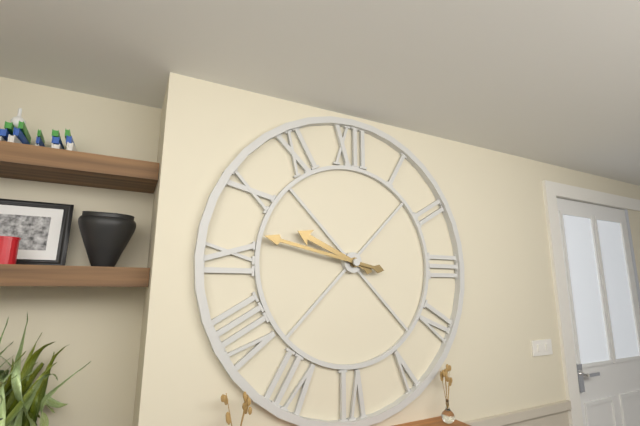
9 h 47 min
